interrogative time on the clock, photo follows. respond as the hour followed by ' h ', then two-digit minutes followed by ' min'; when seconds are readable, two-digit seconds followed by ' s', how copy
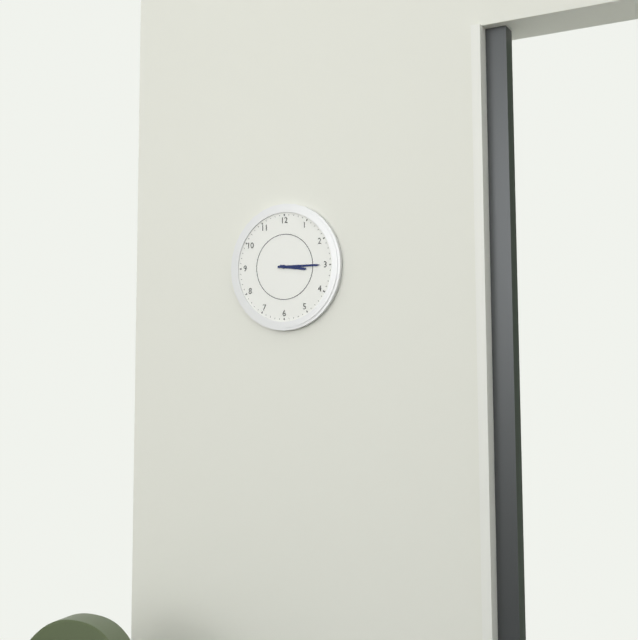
3 h 15 min
